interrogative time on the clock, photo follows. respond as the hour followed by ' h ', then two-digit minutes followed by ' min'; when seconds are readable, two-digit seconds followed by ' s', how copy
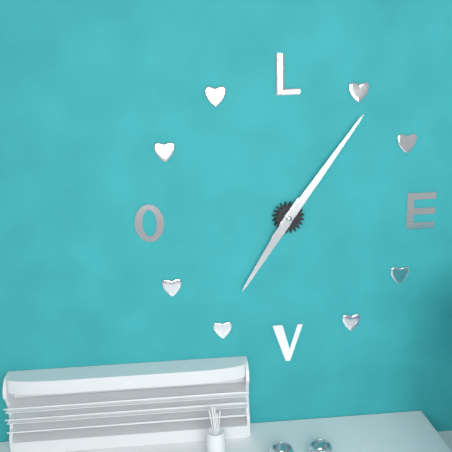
7 h 06 min
